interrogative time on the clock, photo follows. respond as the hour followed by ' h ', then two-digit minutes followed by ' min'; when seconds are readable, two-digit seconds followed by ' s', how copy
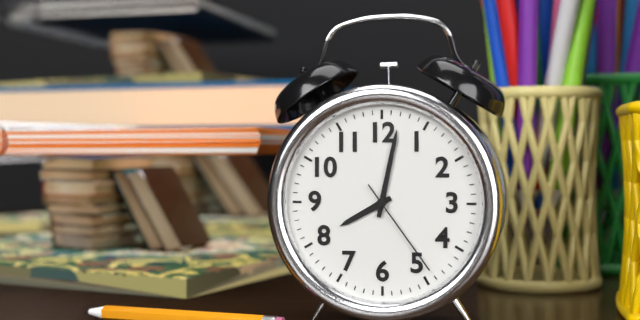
8 h 02 min 24 s
